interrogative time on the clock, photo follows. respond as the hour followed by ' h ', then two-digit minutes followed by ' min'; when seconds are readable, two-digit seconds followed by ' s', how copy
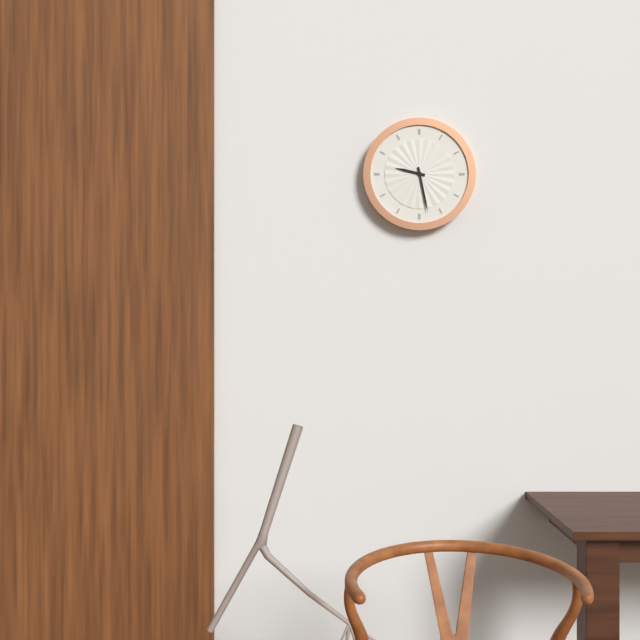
9 h 28 min
